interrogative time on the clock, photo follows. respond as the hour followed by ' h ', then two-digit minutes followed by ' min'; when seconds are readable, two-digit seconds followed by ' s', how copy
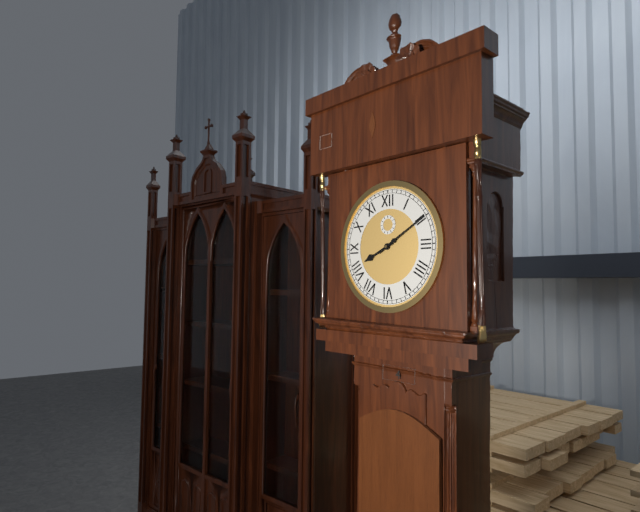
8 h 10 min
